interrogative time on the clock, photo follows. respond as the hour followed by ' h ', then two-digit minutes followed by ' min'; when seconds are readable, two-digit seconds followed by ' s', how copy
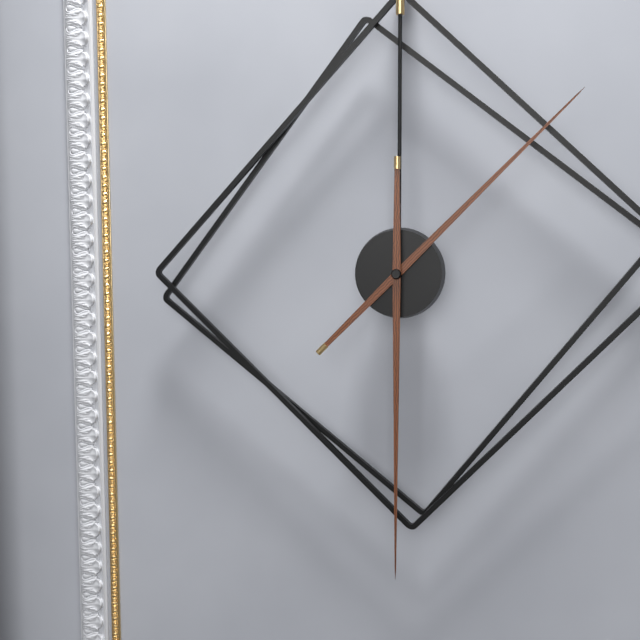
1 h 30 min
